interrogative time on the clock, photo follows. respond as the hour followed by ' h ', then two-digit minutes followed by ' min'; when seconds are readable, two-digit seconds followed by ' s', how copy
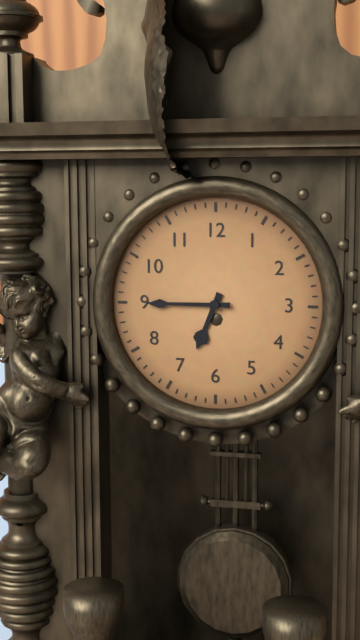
6 h 45 min
